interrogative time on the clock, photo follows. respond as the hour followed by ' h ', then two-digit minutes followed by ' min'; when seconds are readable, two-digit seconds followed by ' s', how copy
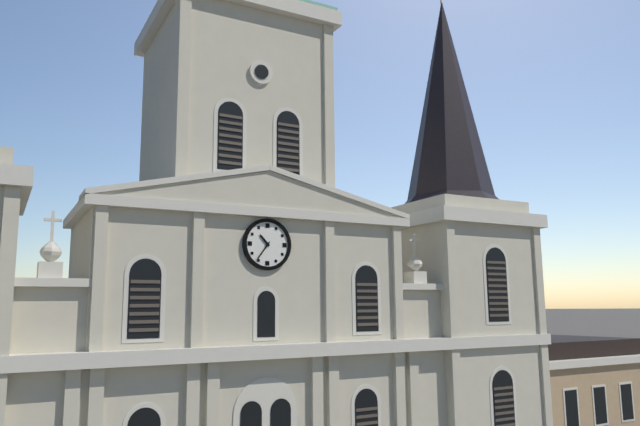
10 h 36 min
